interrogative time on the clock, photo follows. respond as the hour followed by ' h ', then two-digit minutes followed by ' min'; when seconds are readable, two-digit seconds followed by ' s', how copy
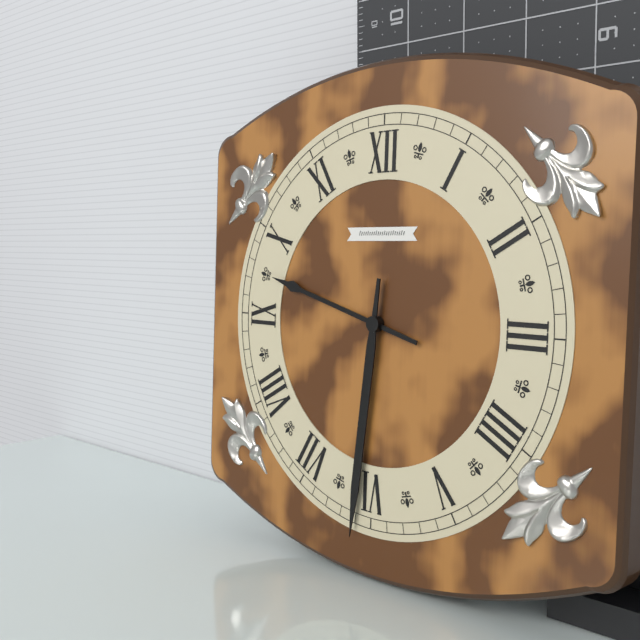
9 h 31 min
